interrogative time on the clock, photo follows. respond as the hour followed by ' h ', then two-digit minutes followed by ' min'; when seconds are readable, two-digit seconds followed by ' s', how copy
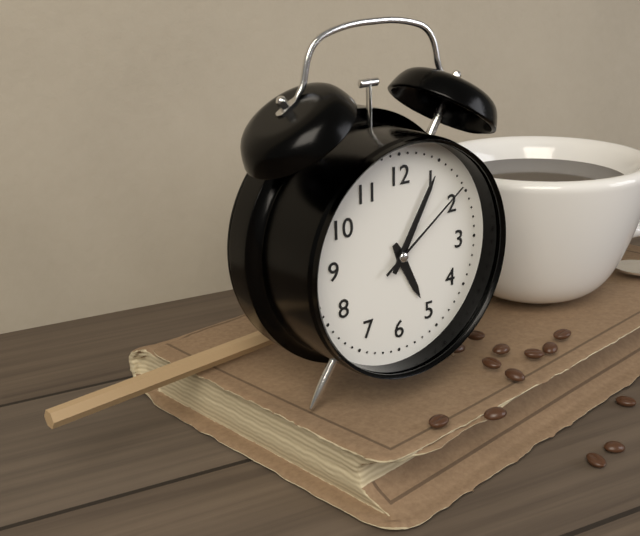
5 h 05 min 09 s
